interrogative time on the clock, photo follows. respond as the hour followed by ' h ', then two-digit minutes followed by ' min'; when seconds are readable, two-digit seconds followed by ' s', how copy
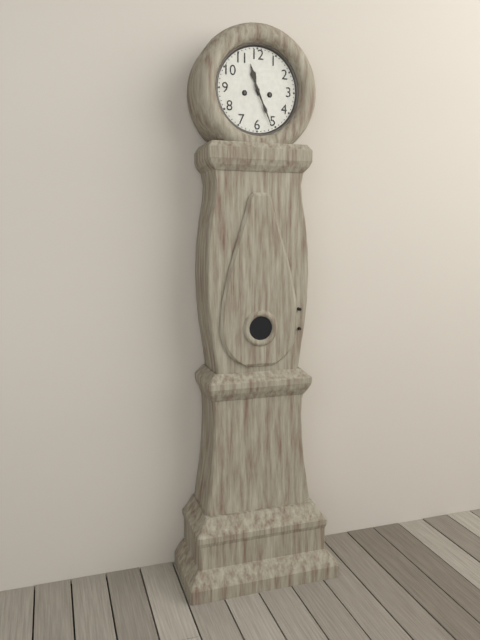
11 h 26 min
